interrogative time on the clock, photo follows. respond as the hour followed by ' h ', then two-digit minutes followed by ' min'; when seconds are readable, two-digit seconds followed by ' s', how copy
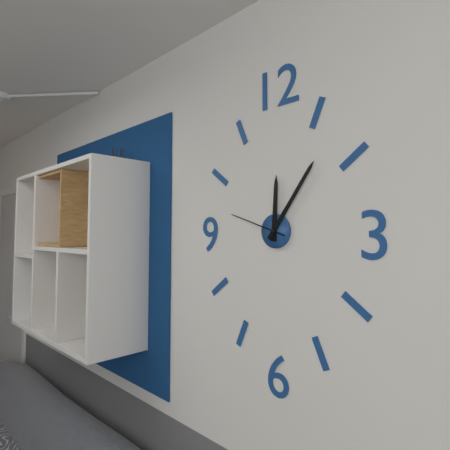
12 h 06 min 48 s
